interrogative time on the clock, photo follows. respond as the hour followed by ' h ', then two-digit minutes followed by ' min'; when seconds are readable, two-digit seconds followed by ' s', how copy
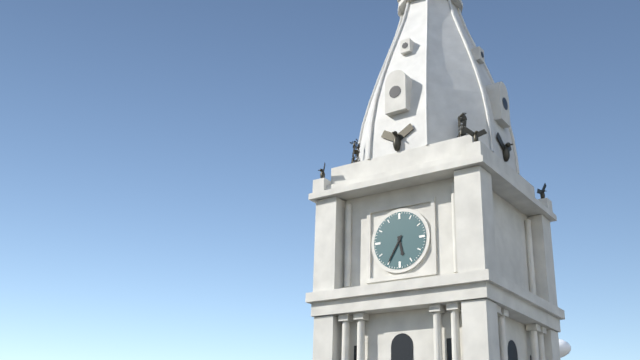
5 h 35 min
